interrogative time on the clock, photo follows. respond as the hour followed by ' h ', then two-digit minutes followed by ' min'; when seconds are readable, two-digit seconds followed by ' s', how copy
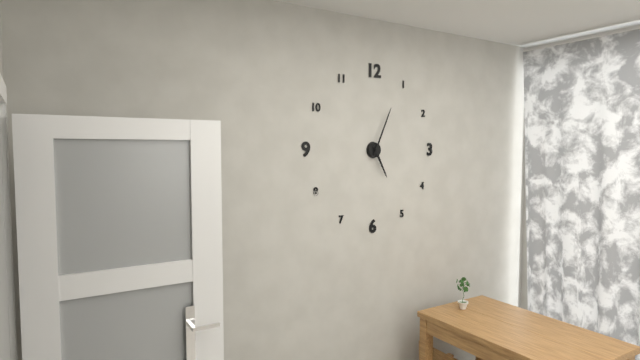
5 h 04 min
